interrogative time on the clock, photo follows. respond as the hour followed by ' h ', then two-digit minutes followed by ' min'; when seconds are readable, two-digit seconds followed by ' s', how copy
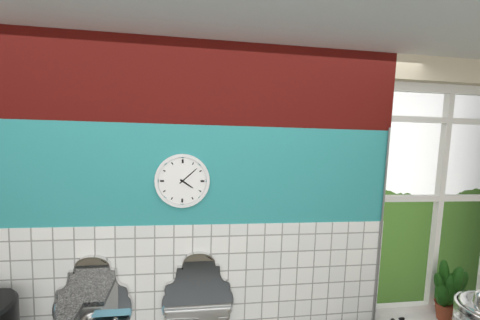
4 h 08 min
